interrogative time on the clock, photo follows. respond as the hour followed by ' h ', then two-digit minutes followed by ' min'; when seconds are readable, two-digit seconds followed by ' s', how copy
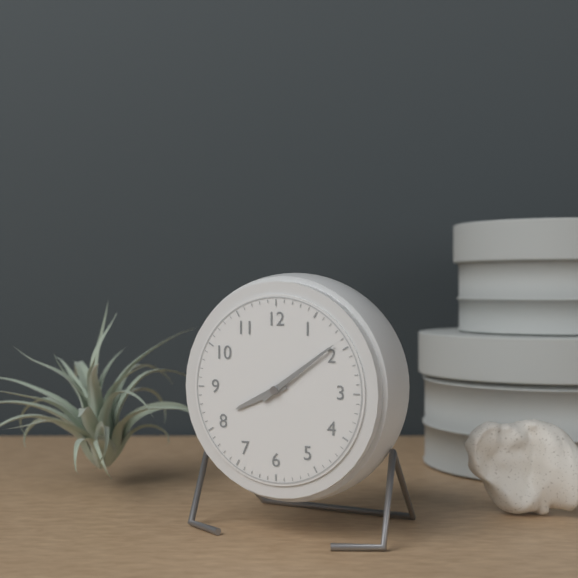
8 h 09 min
